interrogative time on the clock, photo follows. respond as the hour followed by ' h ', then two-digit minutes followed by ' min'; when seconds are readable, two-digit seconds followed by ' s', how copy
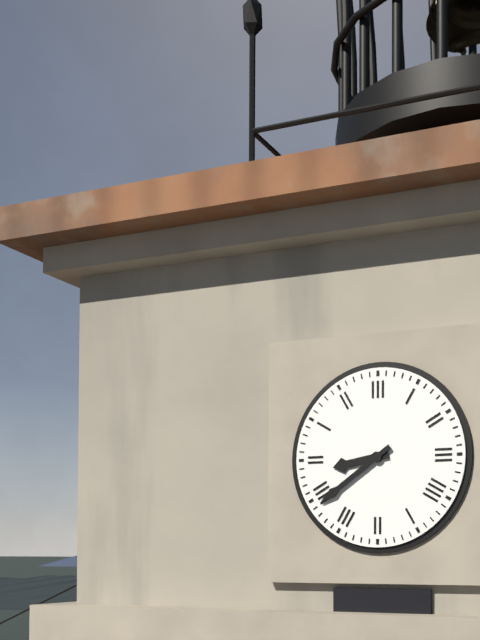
8 h 39 min
